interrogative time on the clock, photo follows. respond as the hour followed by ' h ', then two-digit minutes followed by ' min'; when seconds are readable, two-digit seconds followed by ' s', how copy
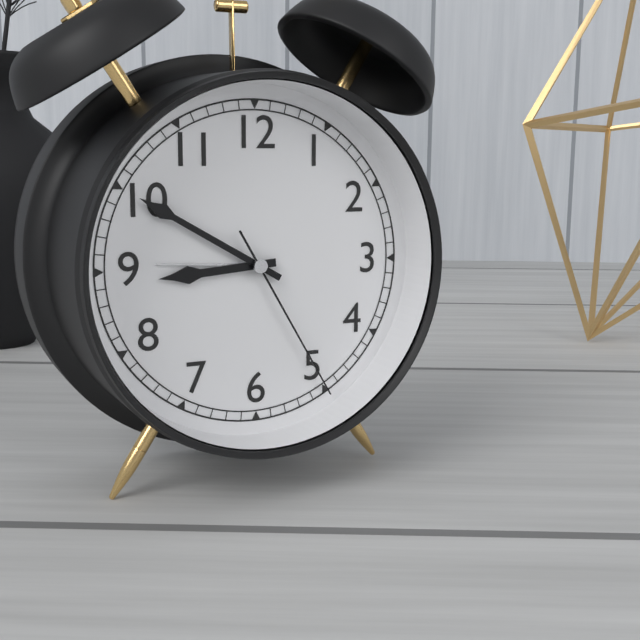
8 h 50 min 25 s
